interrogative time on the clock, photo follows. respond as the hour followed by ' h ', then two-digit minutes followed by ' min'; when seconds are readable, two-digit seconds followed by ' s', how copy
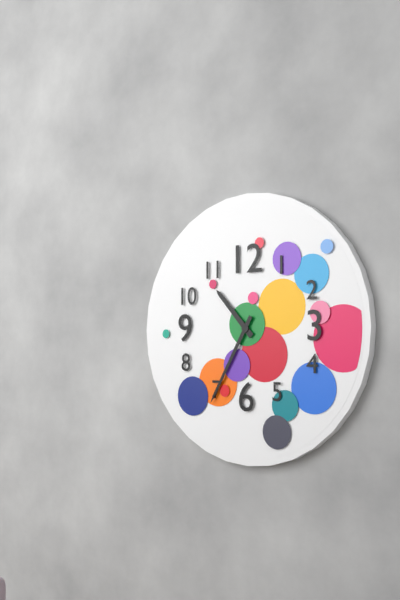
10 h 35 min
